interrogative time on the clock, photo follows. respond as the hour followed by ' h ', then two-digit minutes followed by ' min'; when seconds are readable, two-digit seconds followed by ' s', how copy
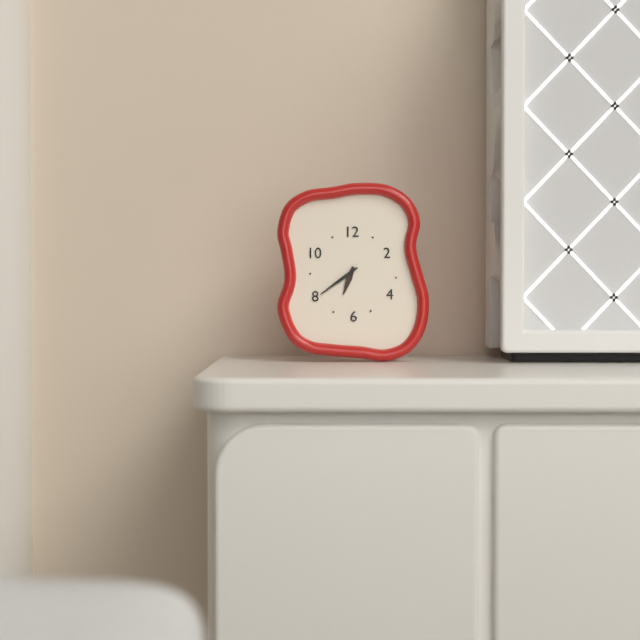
6 h 39 min
